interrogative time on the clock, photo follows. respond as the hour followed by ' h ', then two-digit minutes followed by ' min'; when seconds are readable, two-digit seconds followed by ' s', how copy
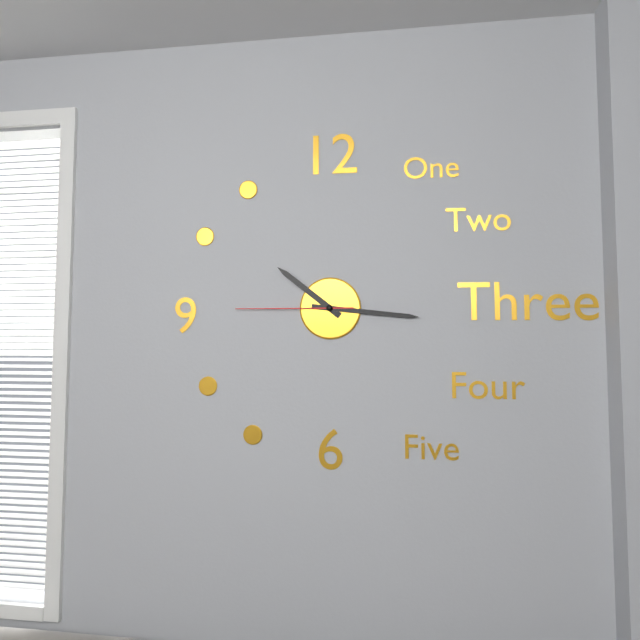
10 h 16 min 45 s
